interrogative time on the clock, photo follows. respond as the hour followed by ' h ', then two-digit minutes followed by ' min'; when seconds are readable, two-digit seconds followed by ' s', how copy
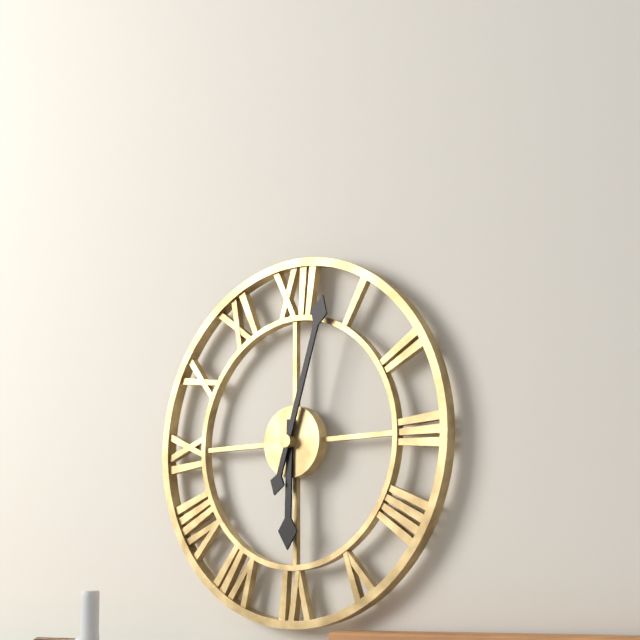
6 h 03 min
